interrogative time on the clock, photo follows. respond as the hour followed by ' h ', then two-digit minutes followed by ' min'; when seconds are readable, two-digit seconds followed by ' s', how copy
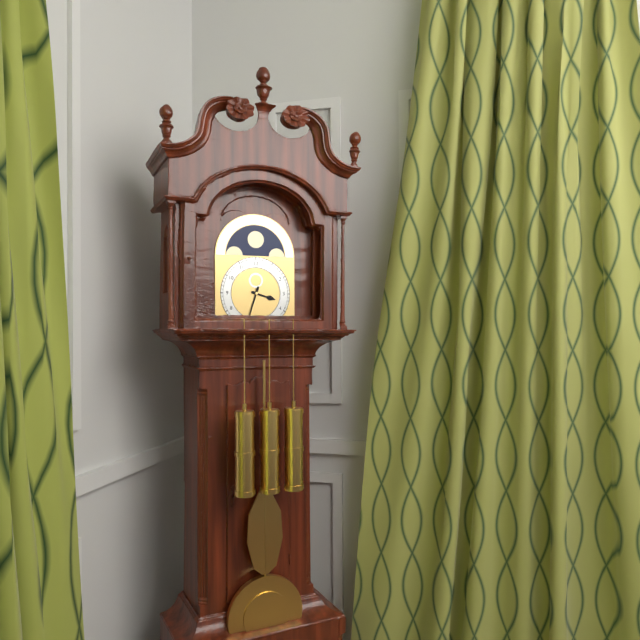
3 h 33 min
